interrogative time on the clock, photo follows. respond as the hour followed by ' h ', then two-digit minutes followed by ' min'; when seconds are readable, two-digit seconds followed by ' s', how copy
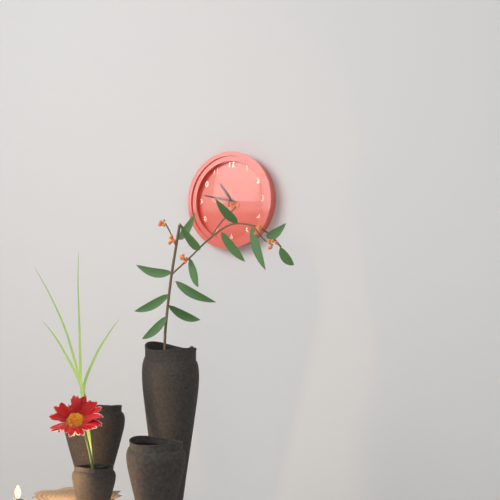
10 h 47 min
